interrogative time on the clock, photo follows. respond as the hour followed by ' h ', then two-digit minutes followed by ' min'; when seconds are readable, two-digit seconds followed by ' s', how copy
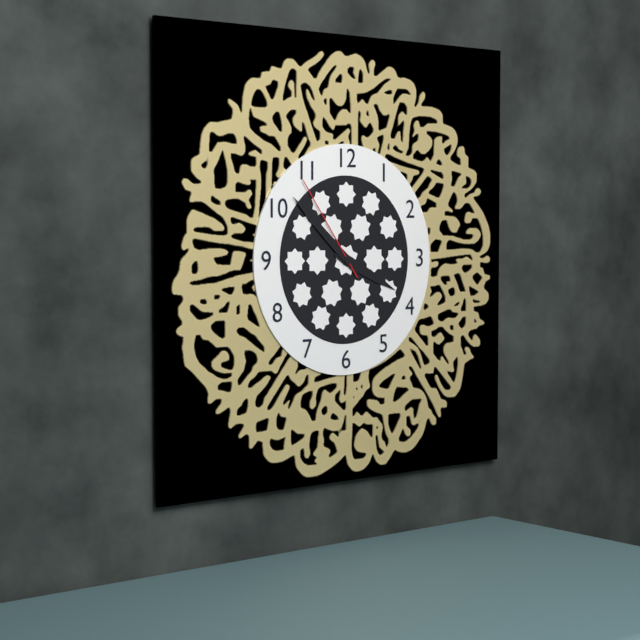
3 h 52 min 54 s
